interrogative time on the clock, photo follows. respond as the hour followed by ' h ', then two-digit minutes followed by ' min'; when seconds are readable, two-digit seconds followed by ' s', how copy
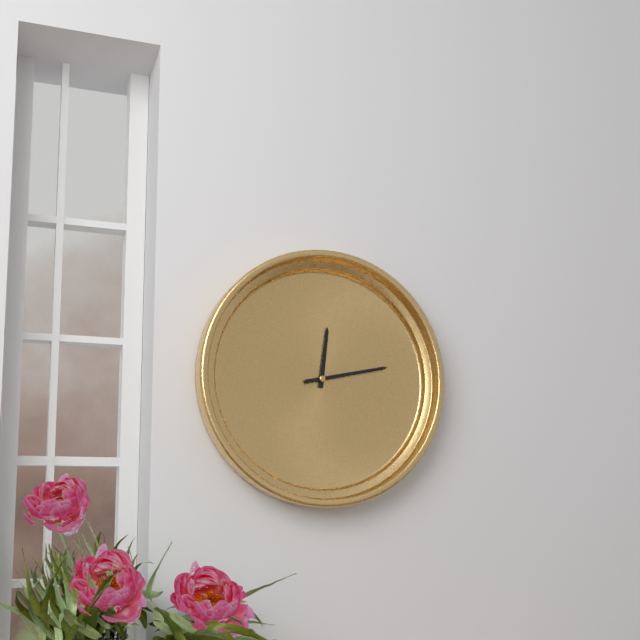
12 h 13 min
